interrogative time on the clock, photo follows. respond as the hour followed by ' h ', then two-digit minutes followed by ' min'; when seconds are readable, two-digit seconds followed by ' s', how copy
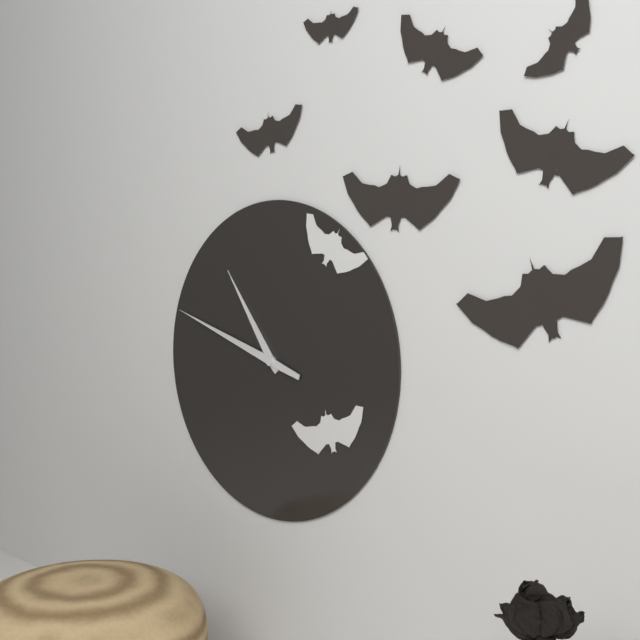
10 h 48 min
